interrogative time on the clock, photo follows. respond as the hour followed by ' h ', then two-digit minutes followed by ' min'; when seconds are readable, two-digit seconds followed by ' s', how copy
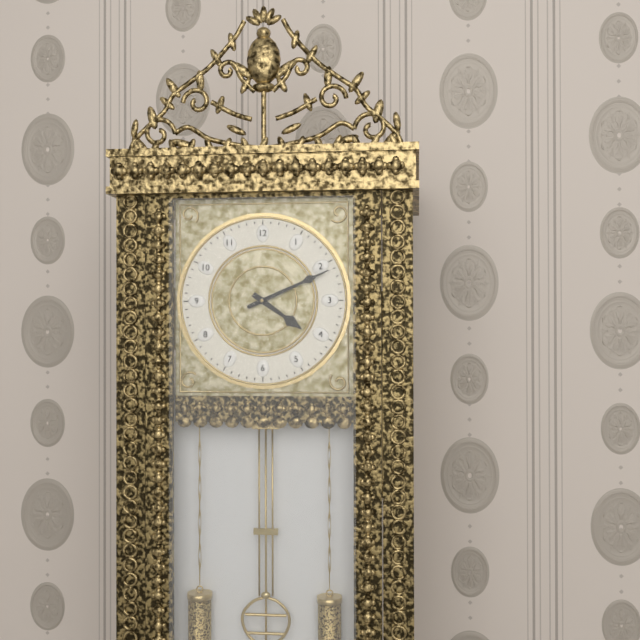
4 h 11 min
